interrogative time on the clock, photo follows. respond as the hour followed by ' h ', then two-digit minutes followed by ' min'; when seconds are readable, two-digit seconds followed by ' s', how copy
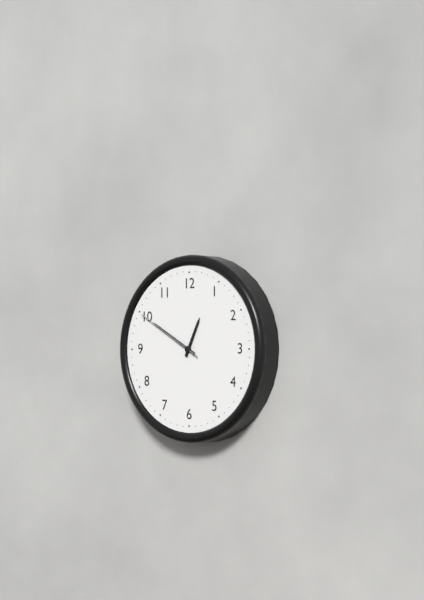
12 h 50 min 50 s
